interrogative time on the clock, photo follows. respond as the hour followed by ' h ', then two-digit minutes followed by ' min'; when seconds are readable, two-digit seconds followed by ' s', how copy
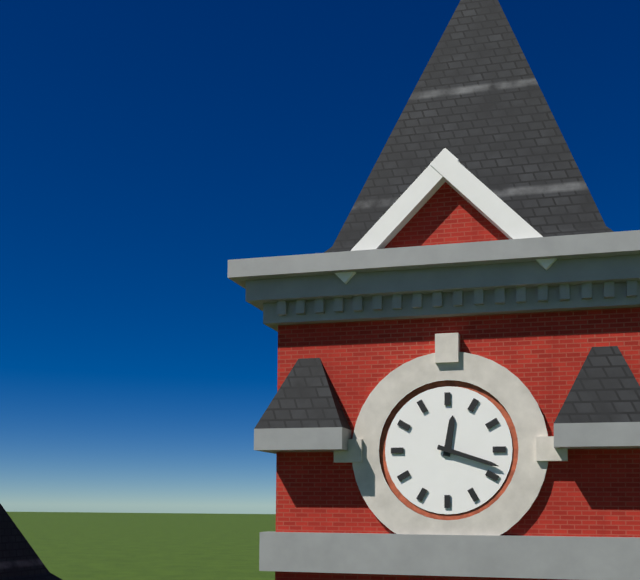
12 h 18 min
